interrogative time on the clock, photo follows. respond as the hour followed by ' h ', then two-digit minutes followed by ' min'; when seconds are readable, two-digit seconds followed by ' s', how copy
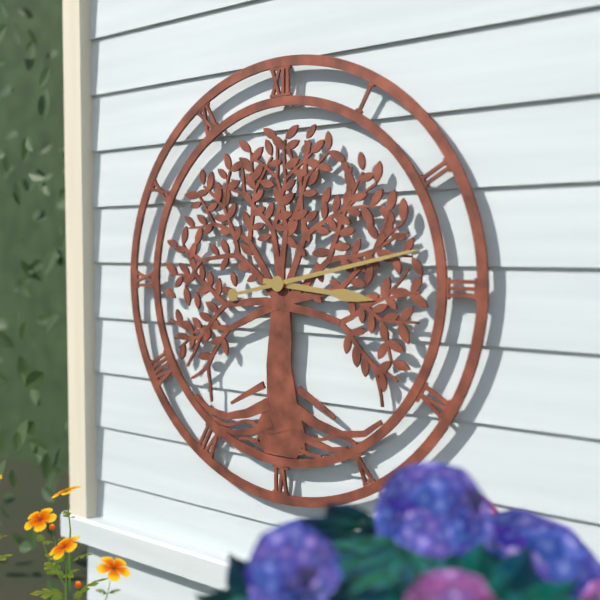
3 h 13 min
